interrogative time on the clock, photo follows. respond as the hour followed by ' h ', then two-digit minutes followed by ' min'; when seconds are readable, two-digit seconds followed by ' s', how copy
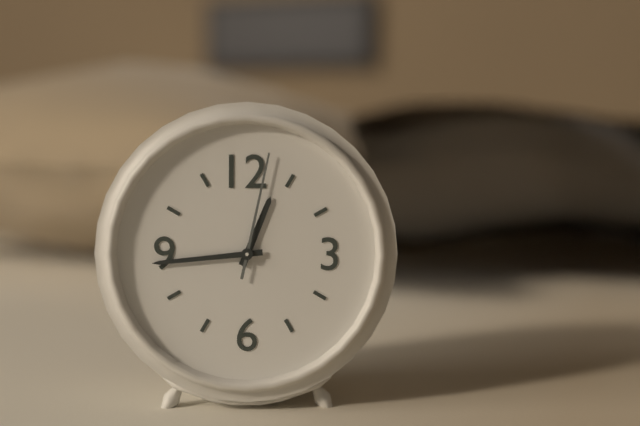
12 h 44 min 02 s
